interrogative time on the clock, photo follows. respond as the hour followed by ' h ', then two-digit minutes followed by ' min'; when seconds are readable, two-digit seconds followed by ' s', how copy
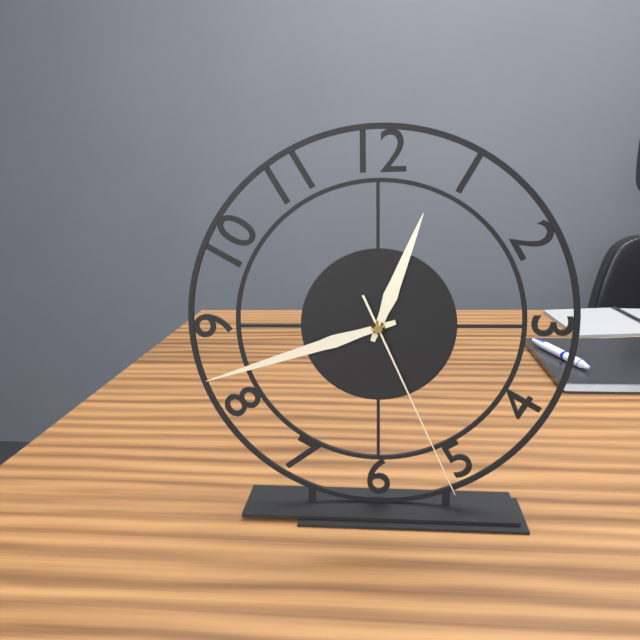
12 h 42 min 26 s
